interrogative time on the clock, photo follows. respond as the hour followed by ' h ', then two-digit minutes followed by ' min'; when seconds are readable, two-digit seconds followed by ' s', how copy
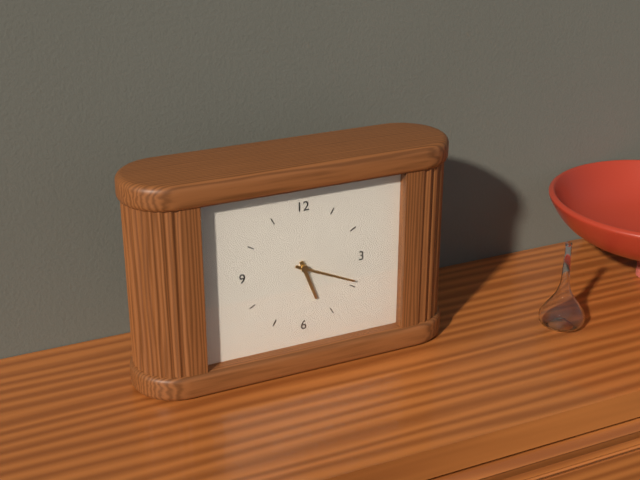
5 h 19 min
